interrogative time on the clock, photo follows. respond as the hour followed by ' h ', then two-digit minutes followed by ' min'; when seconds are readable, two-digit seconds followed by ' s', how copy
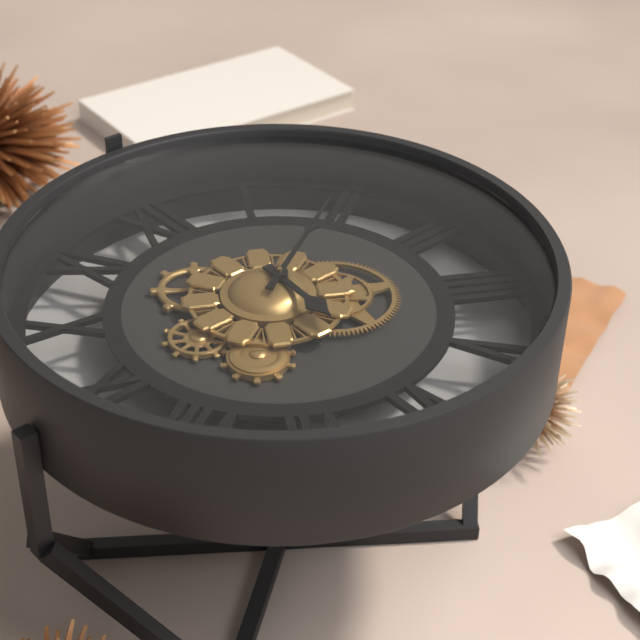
6 h 10 min
